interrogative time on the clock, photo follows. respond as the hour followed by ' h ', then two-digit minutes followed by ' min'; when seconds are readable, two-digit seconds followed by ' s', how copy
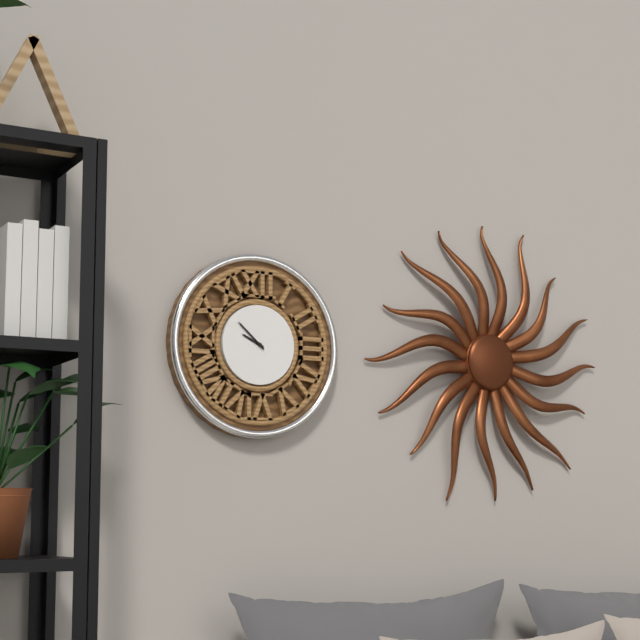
9 h 52 min
